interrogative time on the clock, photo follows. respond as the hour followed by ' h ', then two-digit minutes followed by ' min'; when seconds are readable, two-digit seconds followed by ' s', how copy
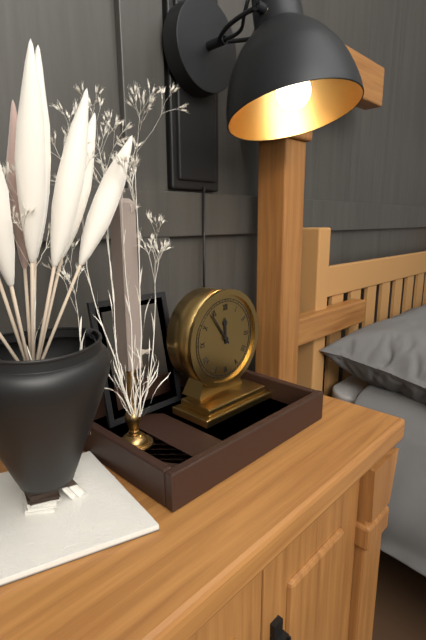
11 h 54 min
